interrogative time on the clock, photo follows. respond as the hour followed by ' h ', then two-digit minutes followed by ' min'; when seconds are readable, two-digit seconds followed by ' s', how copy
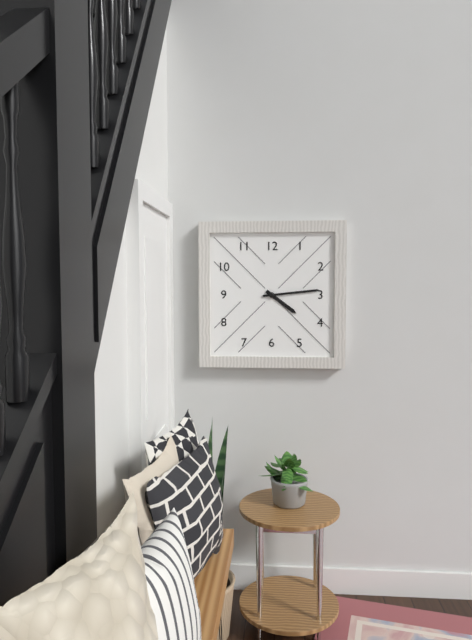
4 h 14 min
